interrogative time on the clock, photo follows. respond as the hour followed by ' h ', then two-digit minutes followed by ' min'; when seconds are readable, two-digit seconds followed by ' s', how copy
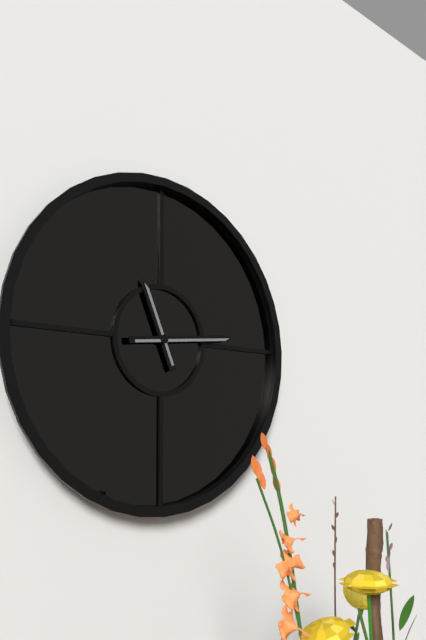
11 h 14 min
